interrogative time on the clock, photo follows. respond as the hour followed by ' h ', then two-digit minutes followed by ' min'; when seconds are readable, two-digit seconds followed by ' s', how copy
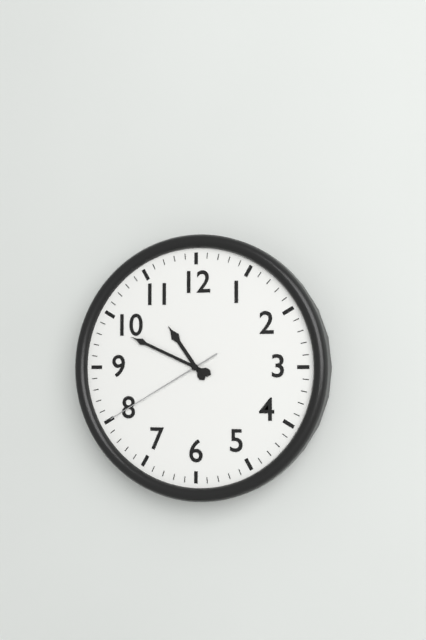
10 h 49 min 40 s
